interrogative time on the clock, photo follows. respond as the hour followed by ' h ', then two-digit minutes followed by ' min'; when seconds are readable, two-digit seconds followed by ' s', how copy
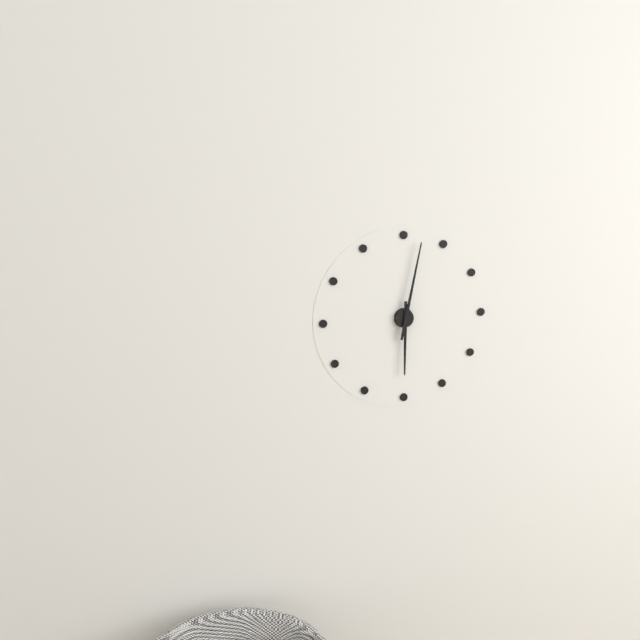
6 h 02 min
